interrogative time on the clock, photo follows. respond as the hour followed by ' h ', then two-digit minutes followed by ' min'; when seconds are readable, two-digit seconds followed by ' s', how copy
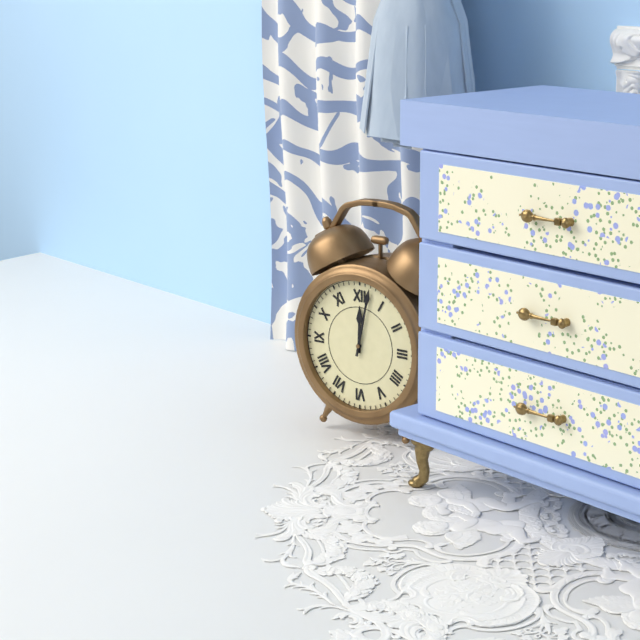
12 h 02 min
